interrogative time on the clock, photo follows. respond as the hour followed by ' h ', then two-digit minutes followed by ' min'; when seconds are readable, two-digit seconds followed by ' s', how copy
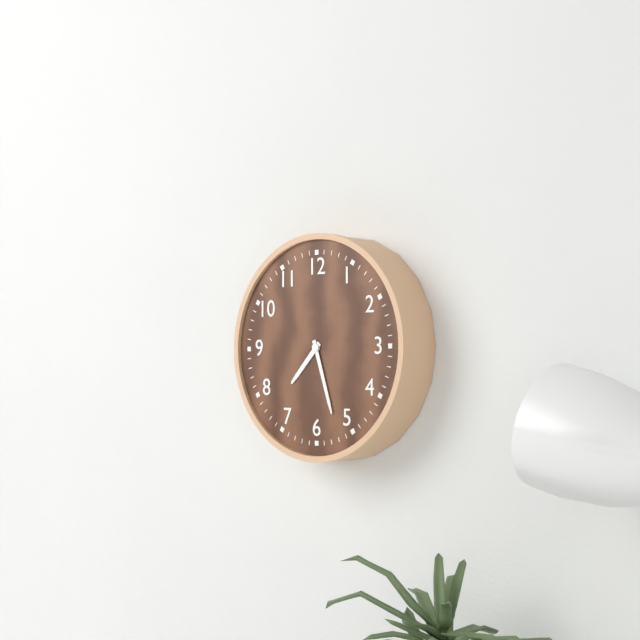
7 h 27 min
